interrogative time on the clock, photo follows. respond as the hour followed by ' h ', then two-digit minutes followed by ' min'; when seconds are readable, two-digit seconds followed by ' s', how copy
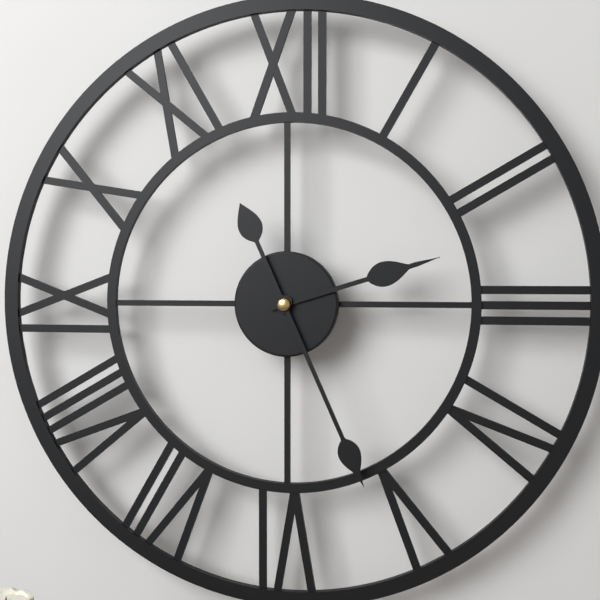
2 h 26 min
